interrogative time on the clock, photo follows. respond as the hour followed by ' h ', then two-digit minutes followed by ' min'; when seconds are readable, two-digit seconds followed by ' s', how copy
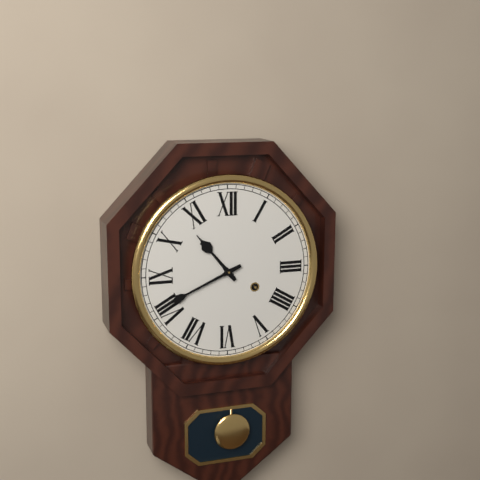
10 h 41 min
